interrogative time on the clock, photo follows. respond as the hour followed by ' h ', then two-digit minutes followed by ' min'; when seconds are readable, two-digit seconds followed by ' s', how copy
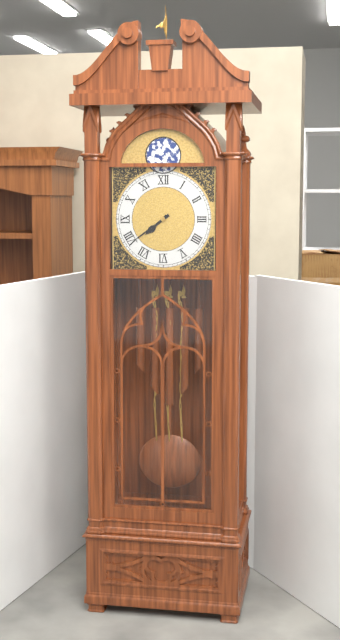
7 h 39 min
